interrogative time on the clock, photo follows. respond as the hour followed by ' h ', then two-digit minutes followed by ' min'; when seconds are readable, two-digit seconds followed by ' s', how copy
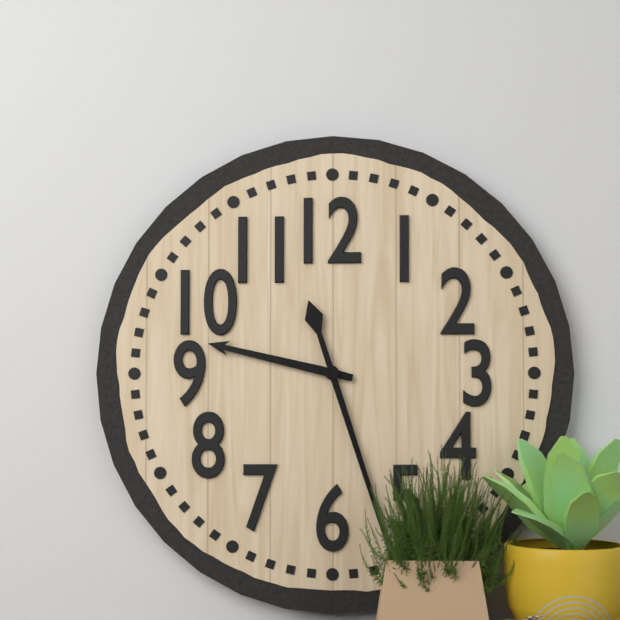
9 h 27 min
